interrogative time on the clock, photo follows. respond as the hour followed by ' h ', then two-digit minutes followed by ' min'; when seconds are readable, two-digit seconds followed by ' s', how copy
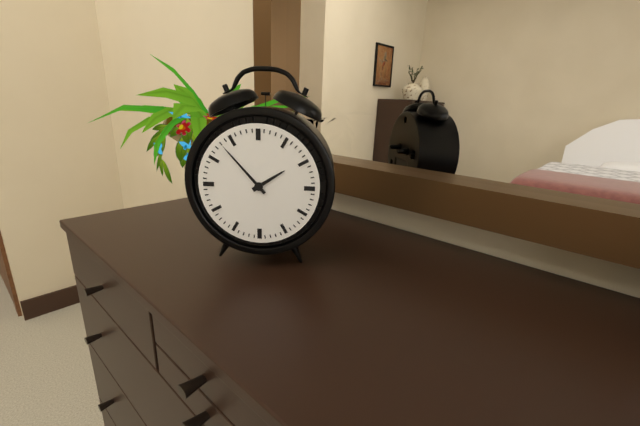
1 h 53 min
